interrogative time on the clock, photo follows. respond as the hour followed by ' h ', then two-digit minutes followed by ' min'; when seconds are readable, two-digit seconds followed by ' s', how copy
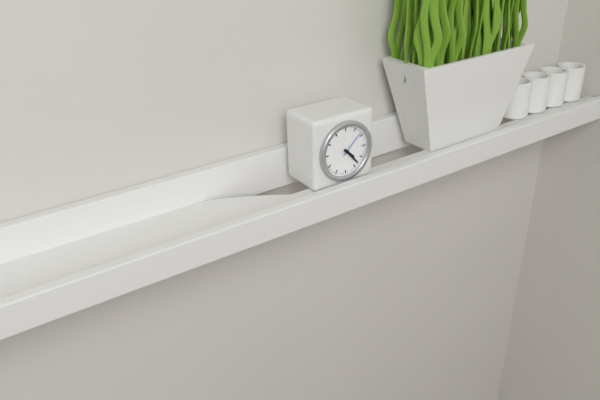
4 h 23 min
